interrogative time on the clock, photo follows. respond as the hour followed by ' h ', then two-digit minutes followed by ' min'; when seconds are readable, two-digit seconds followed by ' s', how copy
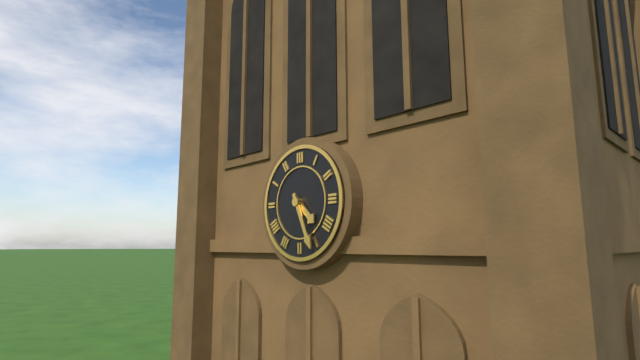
4 h 26 min
